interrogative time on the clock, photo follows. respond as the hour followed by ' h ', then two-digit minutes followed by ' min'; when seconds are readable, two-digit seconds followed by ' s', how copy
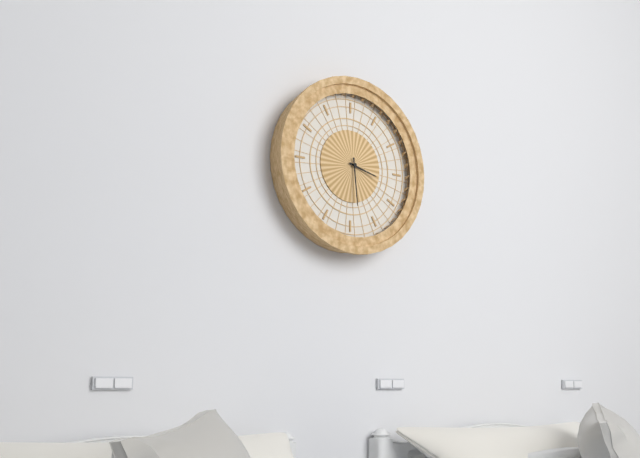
3 h 29 min
